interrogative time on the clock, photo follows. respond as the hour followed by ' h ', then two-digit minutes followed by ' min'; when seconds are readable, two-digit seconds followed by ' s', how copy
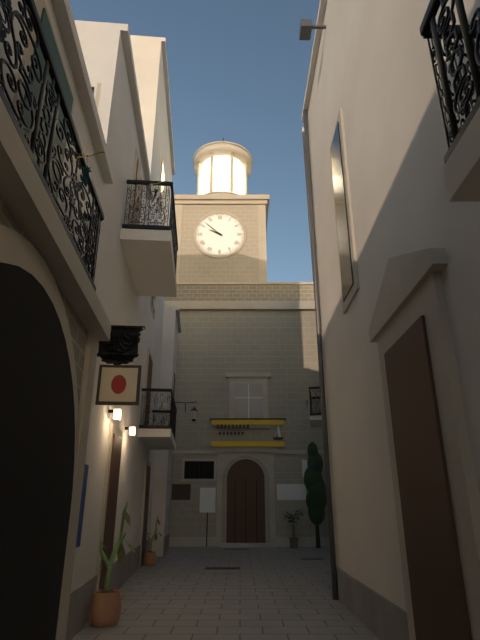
9 h 52 min
